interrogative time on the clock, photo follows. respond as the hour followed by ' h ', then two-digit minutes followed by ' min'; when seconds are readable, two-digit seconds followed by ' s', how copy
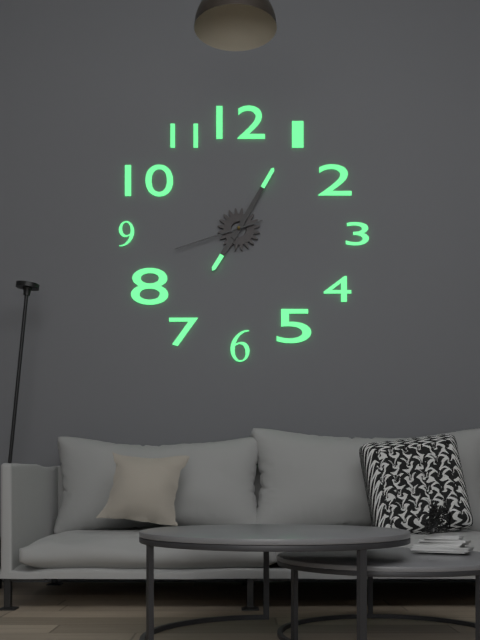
7 h 05 min 42 s
